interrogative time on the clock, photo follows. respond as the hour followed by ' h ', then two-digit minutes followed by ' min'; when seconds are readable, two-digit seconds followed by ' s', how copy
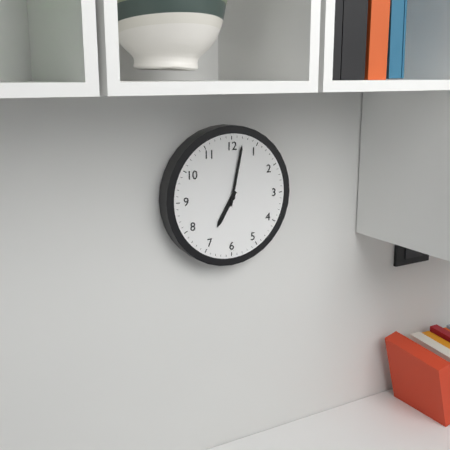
7 h 02 min
